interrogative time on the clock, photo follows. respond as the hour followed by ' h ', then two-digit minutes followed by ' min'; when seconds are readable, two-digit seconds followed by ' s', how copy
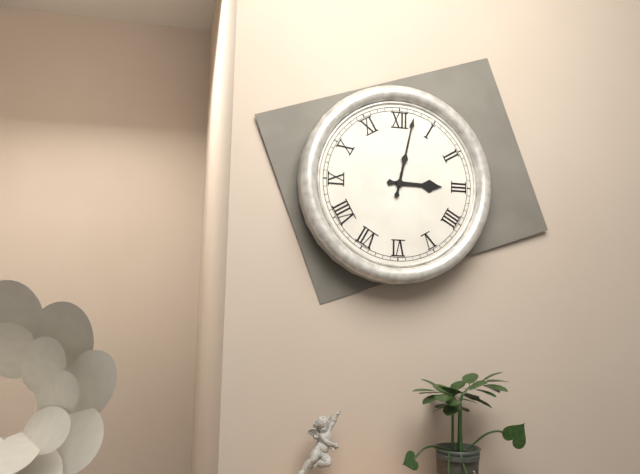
3 h 02 min
